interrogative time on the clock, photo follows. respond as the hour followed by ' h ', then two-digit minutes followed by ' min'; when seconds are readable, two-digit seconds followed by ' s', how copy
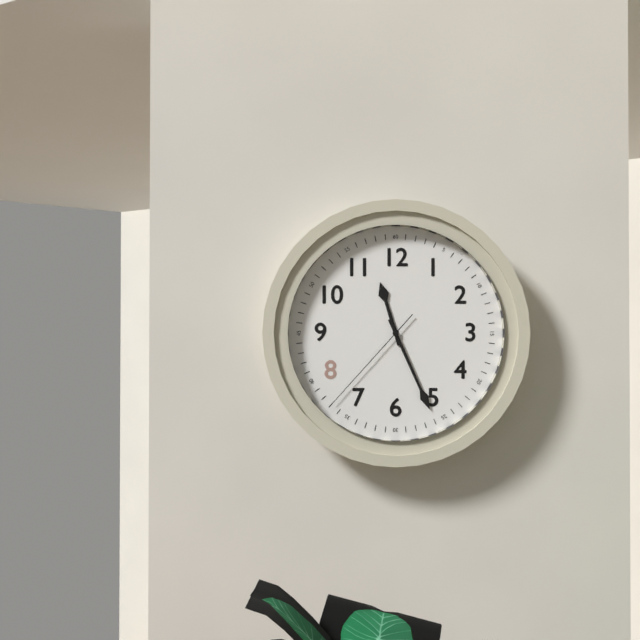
11 h 26 min 37 s
